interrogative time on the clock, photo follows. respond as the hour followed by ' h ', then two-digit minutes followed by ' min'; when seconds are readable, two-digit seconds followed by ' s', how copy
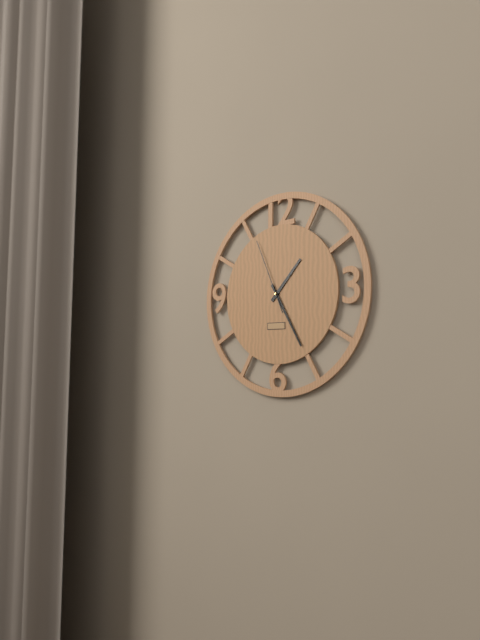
1 h 25 min 56 s
